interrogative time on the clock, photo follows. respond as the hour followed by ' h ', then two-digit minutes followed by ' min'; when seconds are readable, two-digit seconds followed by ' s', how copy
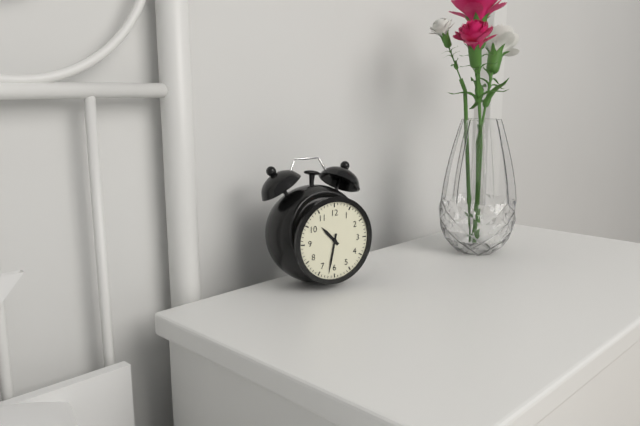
10 h 32 min
